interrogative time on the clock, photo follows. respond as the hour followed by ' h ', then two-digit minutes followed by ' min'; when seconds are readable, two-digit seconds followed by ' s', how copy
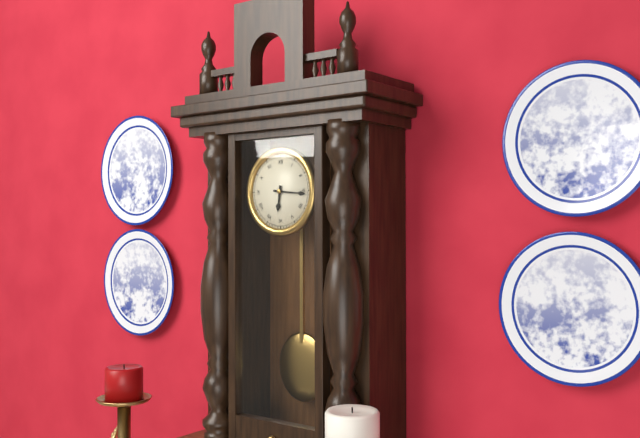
6 h 16 min
